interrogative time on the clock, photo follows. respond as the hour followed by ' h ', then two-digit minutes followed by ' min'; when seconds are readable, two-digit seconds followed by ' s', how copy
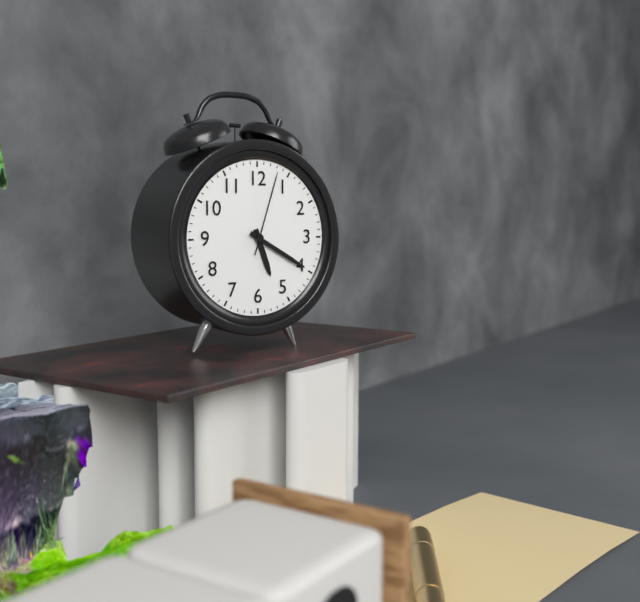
5 h 20 min 03 s
